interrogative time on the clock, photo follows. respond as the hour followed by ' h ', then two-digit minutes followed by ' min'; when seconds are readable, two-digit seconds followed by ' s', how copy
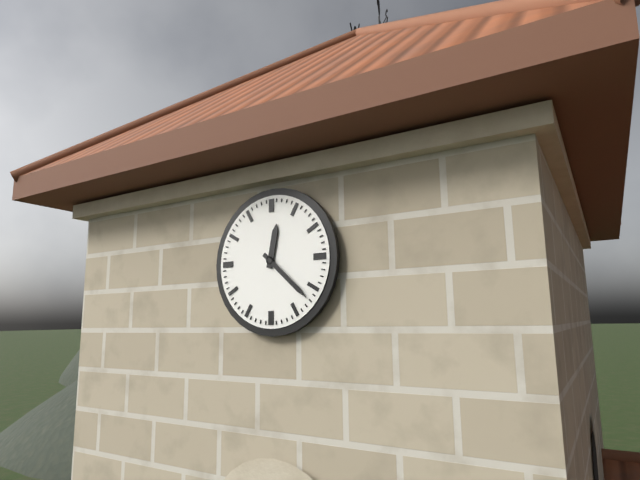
12 h 22 min
